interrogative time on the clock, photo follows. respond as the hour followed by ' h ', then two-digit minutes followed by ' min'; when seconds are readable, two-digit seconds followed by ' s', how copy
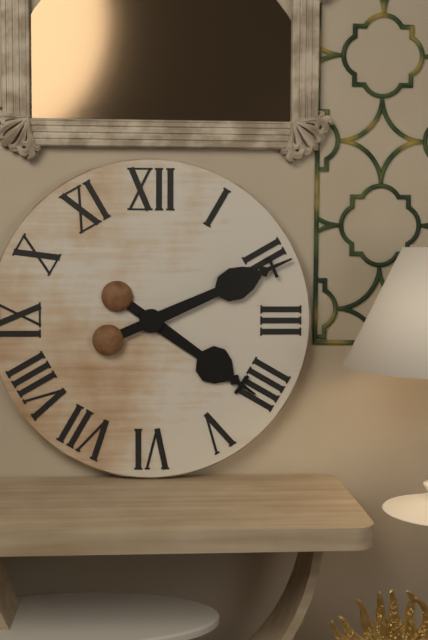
4 h 11 min
